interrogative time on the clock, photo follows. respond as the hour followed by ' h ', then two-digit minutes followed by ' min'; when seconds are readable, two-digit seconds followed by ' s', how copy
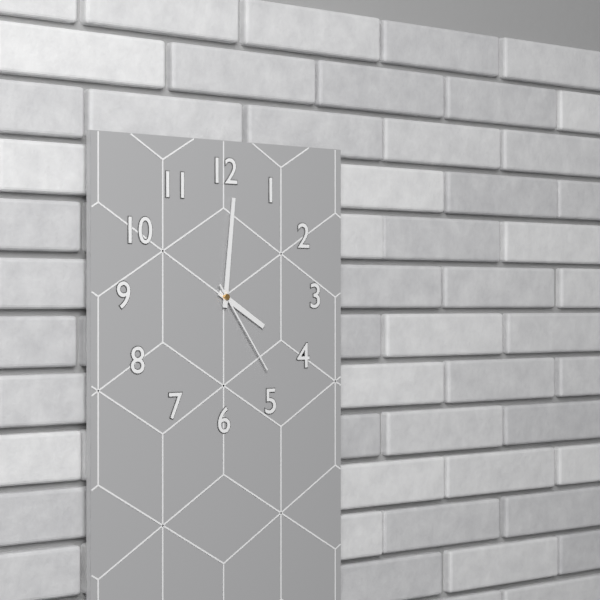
4 h 01 min 24 s
